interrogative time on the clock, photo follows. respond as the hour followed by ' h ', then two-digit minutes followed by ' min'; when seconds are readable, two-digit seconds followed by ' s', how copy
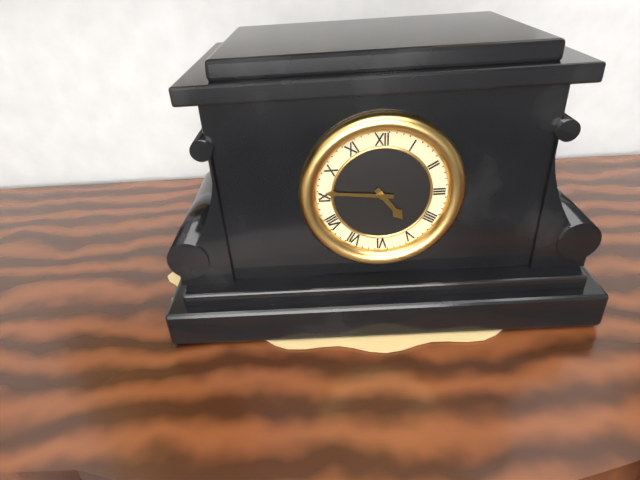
4 h 46 min
